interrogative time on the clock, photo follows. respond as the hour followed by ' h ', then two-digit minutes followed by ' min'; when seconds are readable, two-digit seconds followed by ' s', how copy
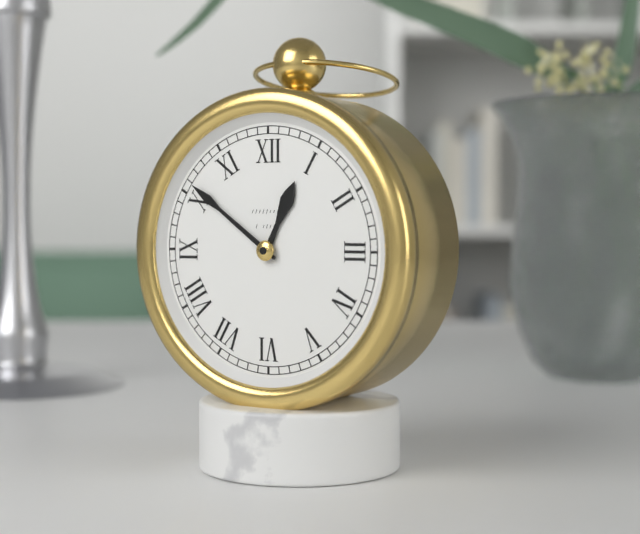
12 h 51 min
